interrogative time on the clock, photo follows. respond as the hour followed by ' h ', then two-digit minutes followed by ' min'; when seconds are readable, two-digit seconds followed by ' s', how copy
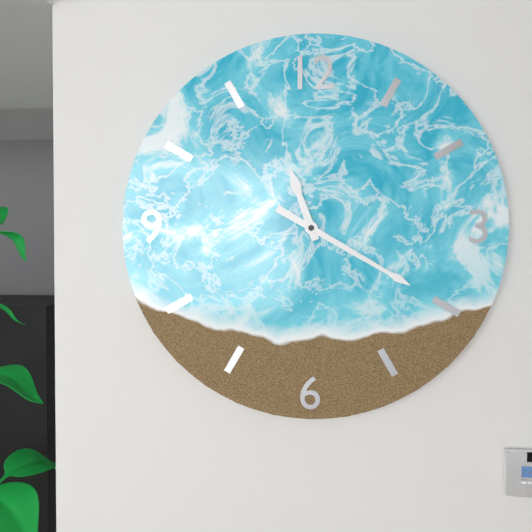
11 h 20 min
